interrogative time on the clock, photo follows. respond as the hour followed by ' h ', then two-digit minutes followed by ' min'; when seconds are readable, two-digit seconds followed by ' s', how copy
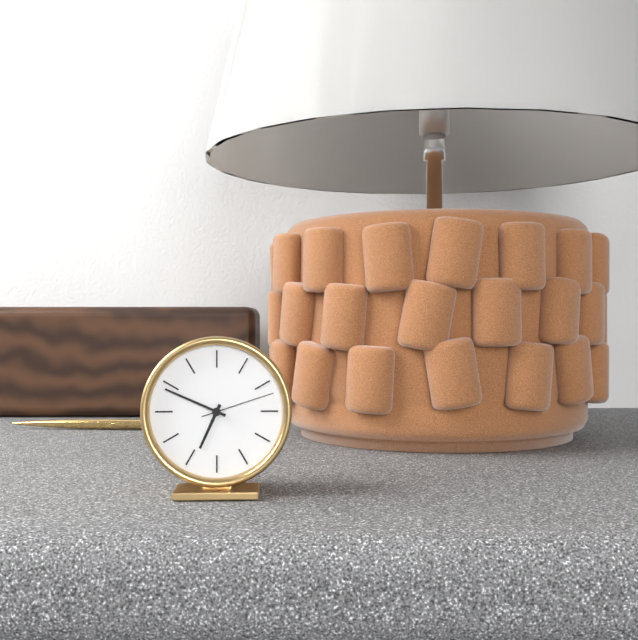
6 h 49 min 12 s
